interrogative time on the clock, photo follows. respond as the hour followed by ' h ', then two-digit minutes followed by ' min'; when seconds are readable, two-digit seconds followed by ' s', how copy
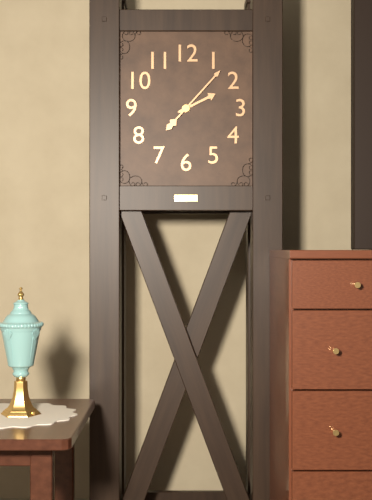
2 h 07 min
